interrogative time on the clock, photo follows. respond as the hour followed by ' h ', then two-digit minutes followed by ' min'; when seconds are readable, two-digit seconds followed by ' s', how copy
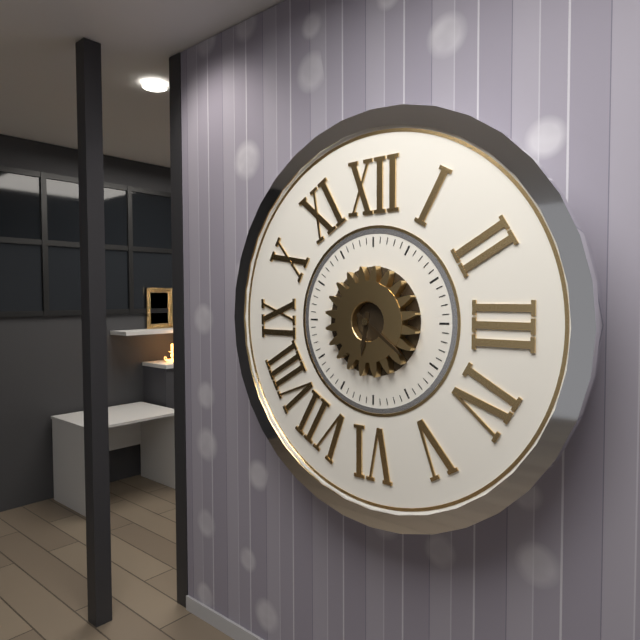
6 h 21 min
